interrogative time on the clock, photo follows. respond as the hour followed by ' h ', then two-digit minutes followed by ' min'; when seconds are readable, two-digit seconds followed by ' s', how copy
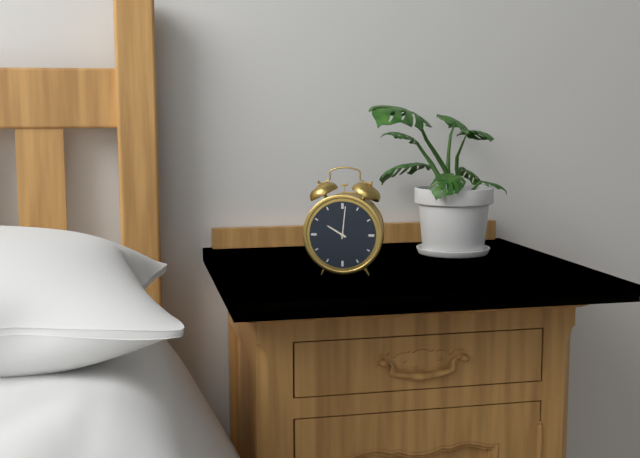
10 h 01 min
